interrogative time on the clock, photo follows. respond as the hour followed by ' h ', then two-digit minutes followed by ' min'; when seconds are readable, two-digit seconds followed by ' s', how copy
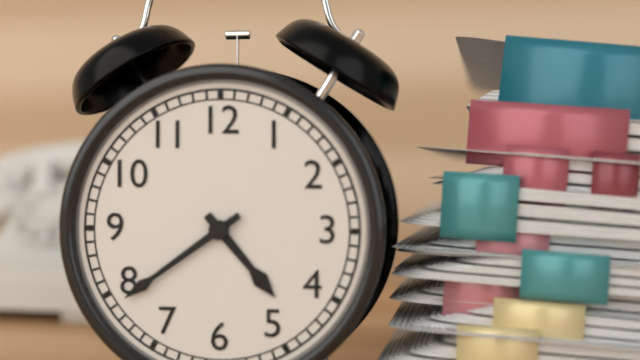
4 h 39 min
